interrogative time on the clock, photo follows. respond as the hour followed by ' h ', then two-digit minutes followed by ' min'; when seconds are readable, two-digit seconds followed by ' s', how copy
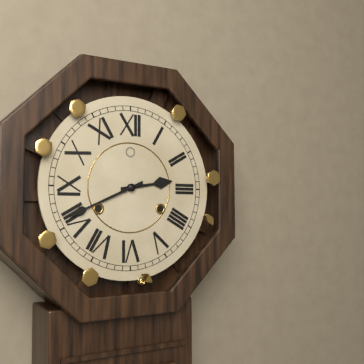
2 h 41 min
